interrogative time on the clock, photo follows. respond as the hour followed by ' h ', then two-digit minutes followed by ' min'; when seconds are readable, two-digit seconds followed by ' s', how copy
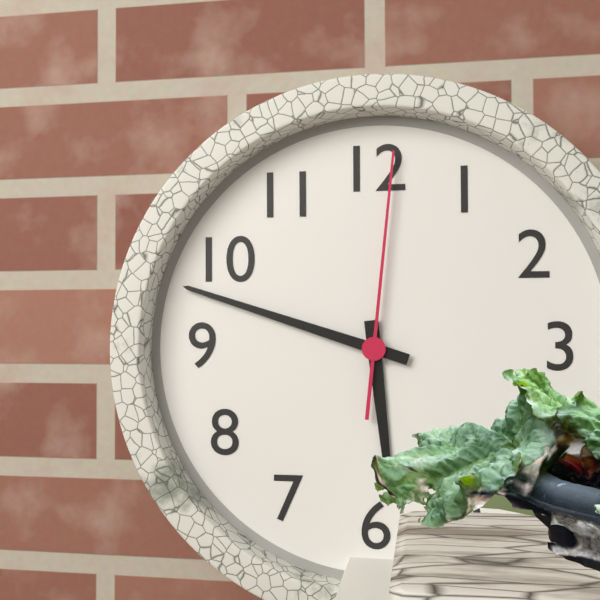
5 h 48 min 01 s
